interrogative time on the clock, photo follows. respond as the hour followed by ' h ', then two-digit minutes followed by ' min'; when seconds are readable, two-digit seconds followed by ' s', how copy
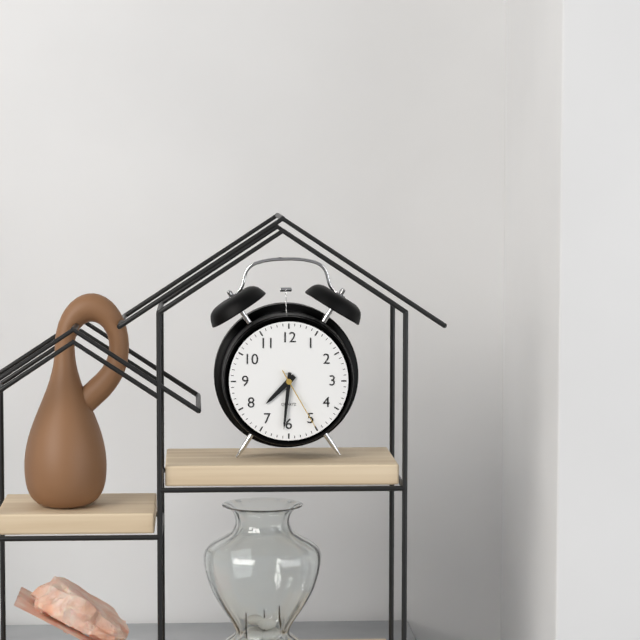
7 h 31 min 25 s
